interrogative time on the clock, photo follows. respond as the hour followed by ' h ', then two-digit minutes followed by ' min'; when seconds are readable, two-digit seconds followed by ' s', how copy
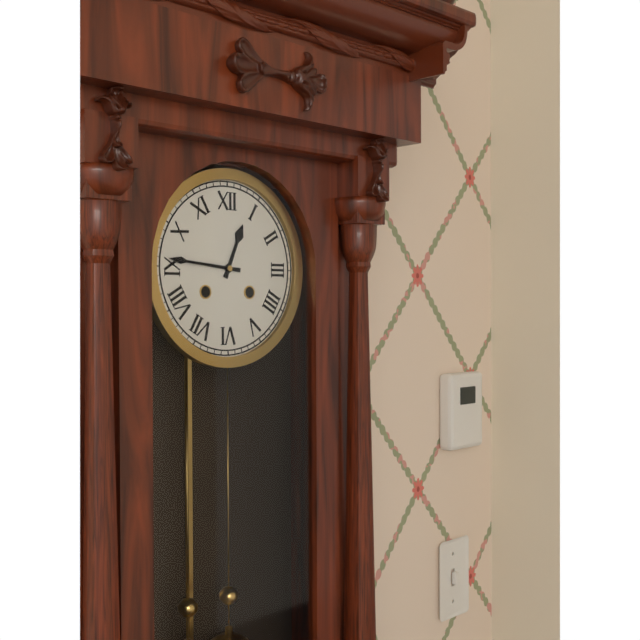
12 h 46 min
